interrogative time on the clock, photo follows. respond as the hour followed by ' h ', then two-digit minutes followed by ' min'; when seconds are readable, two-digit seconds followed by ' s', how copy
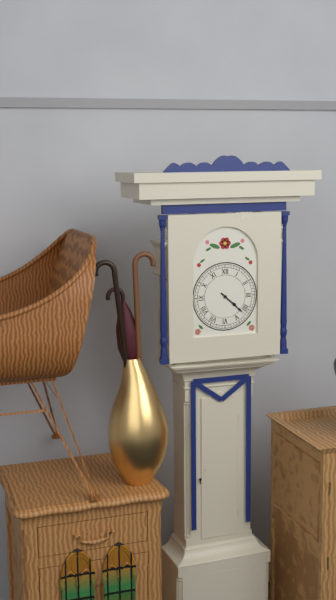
4 h 22 min
